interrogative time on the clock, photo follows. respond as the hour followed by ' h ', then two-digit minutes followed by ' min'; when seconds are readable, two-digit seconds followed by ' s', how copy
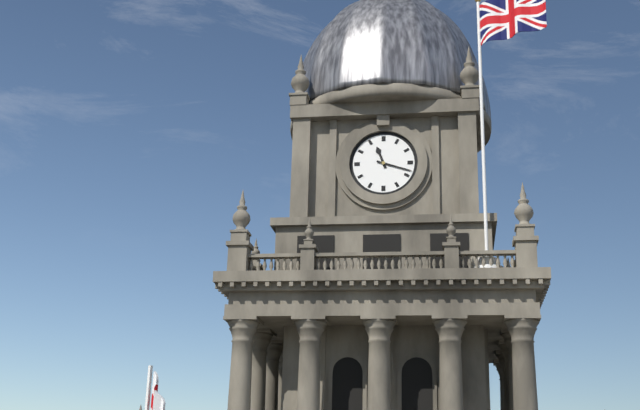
11 h 18 min
